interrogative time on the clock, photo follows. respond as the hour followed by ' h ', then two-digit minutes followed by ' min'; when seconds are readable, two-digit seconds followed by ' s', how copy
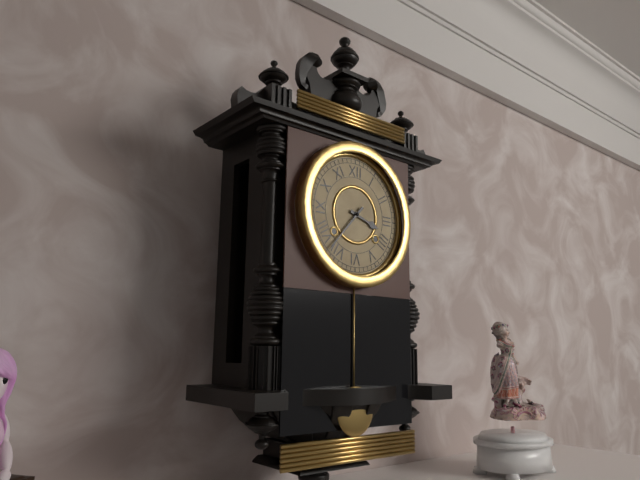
3 h 37 min
